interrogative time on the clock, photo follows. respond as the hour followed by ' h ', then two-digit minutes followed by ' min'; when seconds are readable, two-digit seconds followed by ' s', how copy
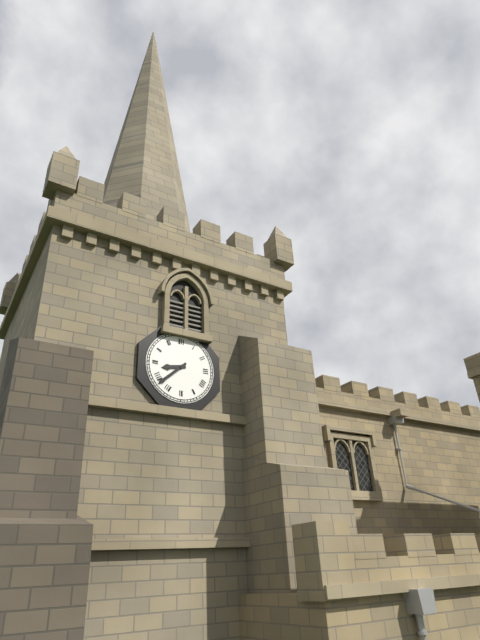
8 h 38 min
